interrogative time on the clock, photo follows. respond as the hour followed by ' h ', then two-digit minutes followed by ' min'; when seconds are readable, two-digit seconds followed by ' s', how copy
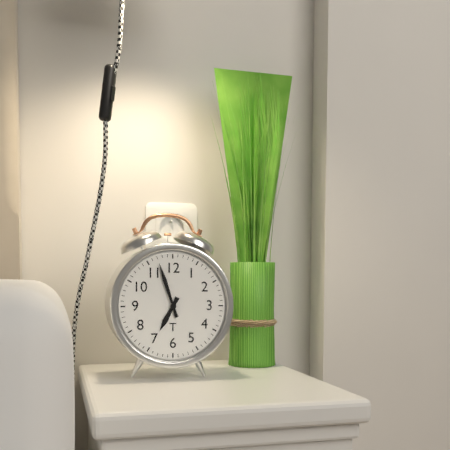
6 h 57 min
